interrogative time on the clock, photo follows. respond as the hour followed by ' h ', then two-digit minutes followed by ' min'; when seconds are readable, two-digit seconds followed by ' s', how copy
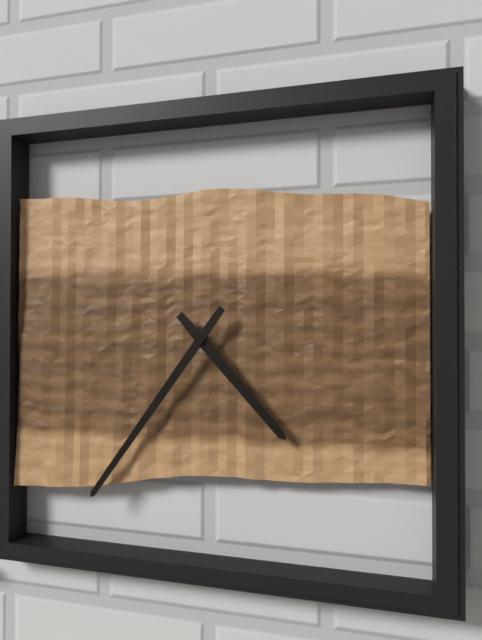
4 h 36 min
